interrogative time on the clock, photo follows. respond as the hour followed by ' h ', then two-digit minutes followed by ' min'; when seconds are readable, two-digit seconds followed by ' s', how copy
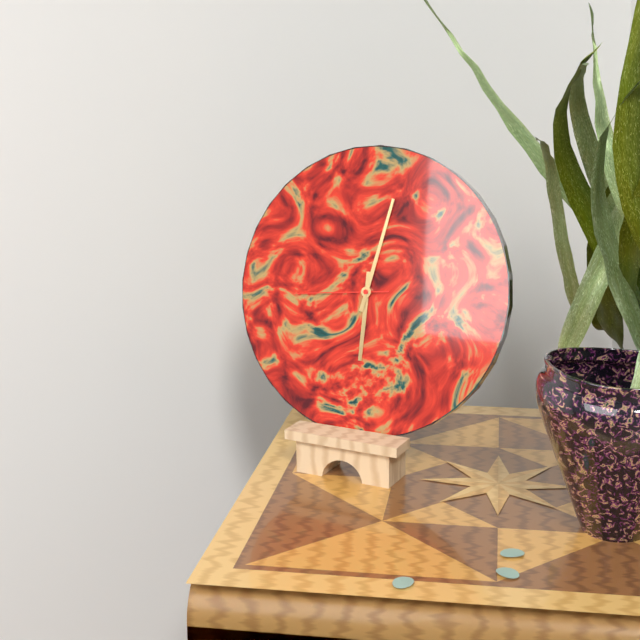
6 h 02 min 44 s
